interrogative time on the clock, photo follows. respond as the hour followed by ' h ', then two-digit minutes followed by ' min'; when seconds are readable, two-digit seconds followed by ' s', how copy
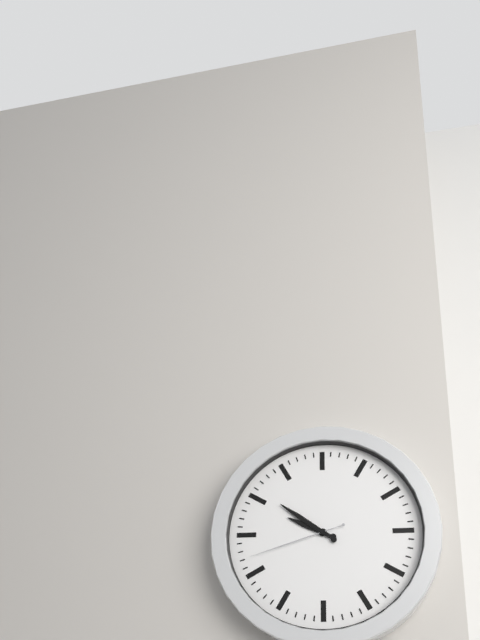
9 h 51 min 42 s
